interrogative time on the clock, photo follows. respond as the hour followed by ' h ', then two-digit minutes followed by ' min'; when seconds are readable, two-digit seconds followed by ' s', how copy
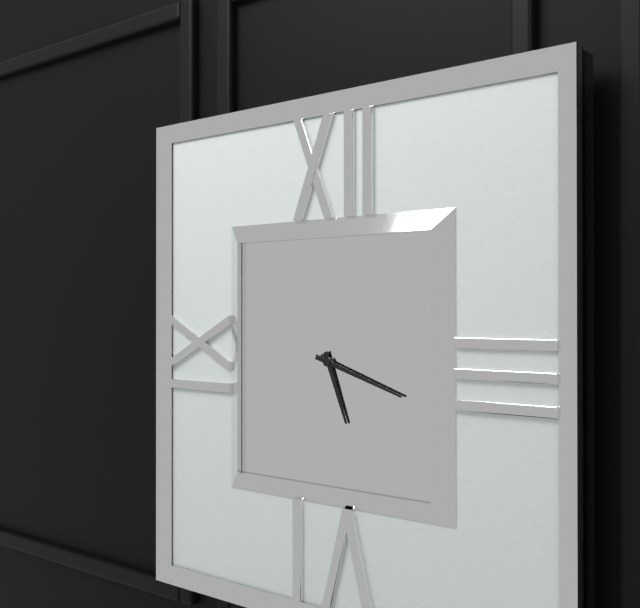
5 h 18 min
